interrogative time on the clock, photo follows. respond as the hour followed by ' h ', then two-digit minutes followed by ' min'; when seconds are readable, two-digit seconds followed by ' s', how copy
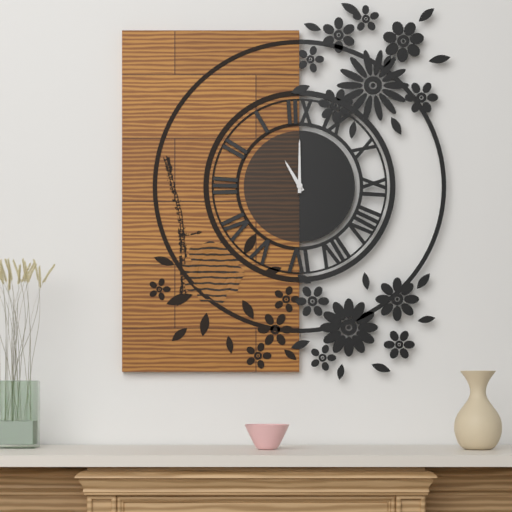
11 h 00 min
